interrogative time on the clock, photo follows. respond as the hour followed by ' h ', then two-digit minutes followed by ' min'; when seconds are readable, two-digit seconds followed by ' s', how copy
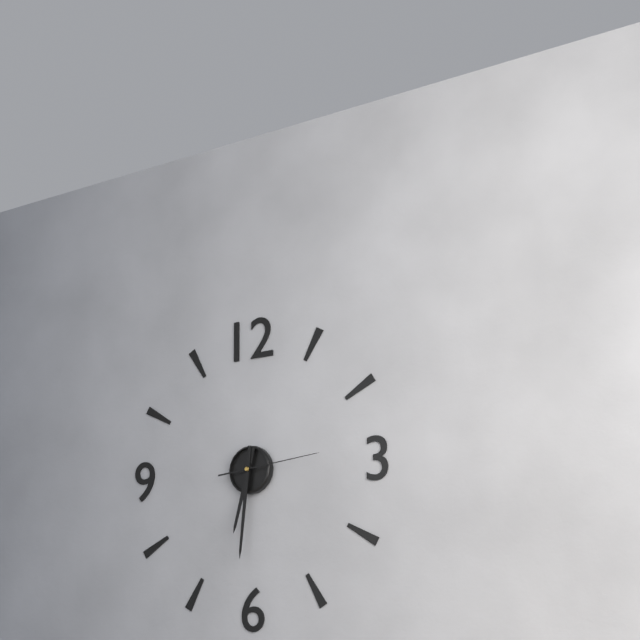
6 h 31 min 14 s
